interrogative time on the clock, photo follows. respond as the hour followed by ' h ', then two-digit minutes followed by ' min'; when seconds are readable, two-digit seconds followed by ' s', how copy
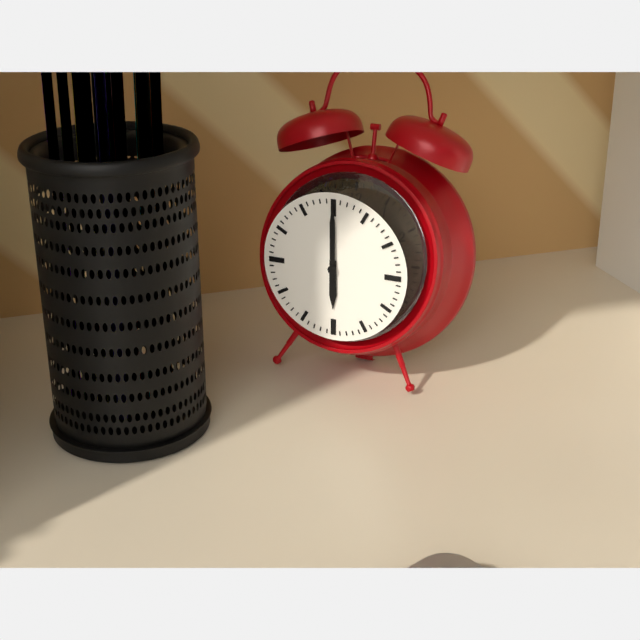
6 h 00 min
